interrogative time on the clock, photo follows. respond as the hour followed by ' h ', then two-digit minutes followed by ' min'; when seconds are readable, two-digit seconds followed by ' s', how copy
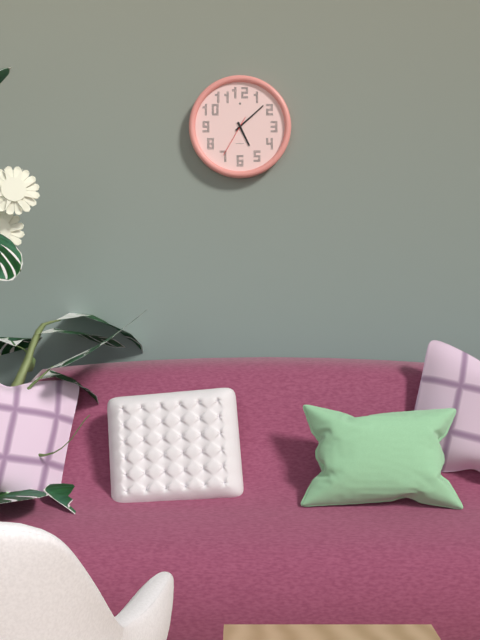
5 h 08 min
